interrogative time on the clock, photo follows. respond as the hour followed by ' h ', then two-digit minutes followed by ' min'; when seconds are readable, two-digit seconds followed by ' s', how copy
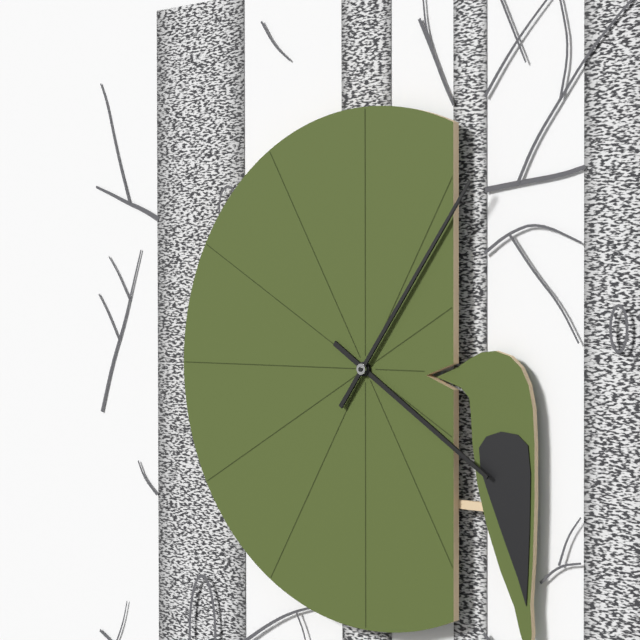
4 h 06 min
